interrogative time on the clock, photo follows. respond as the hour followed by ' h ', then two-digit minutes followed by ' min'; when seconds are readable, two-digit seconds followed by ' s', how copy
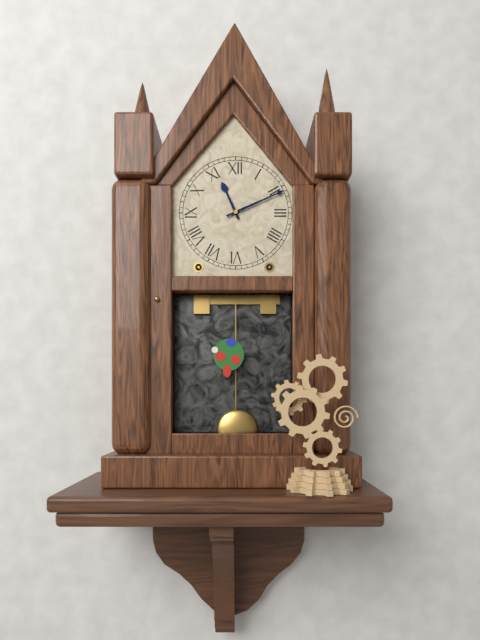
11 h 11 min
